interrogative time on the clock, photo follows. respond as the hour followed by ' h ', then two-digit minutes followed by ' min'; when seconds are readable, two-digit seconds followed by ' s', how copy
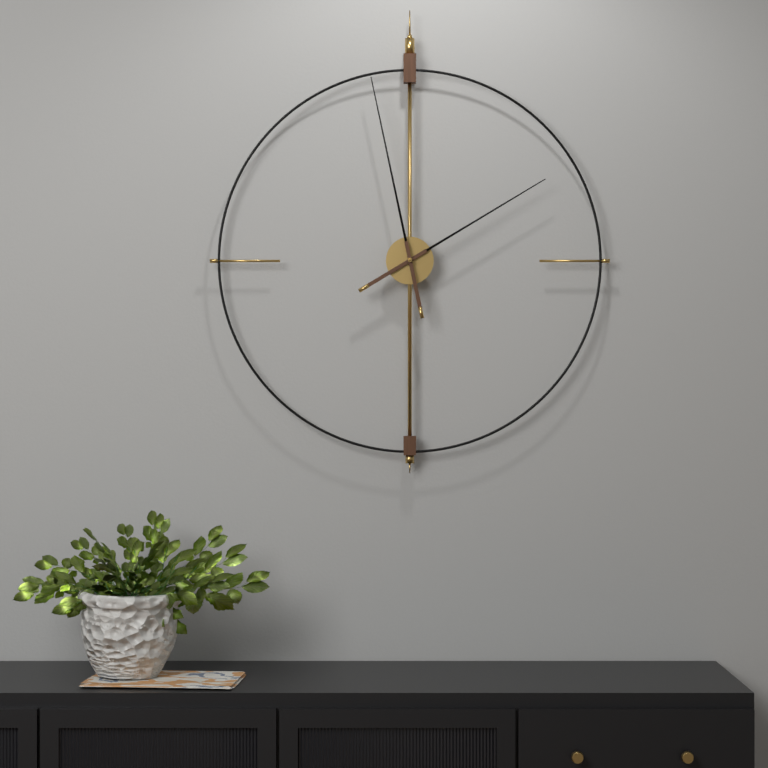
1 h 58 min
